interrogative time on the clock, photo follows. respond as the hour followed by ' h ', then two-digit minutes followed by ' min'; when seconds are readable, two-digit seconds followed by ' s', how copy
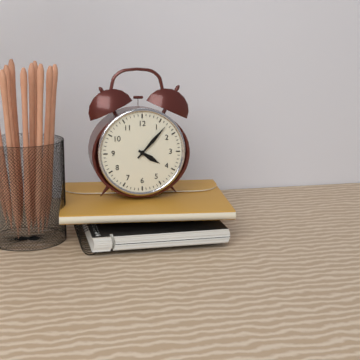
4 h 07 min
